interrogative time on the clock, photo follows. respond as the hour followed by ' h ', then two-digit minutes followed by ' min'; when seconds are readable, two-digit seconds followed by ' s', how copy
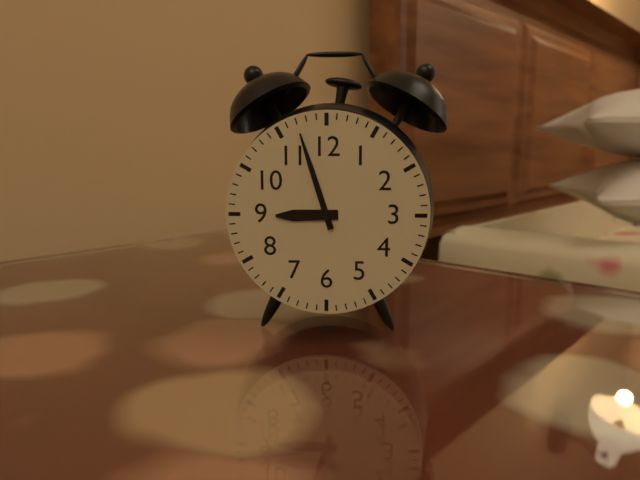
8 h 57 min
